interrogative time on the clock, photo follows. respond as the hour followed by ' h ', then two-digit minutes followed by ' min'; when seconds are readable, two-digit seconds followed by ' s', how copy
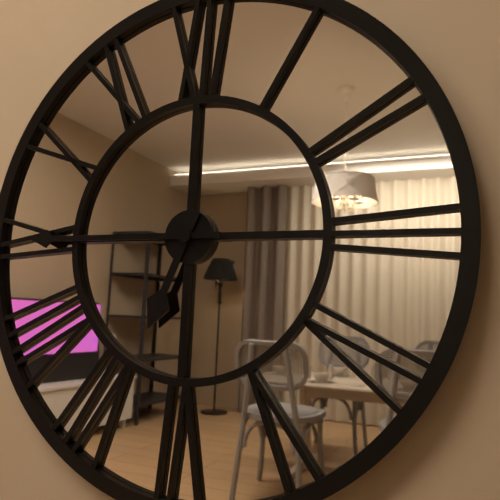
6 h 45 min
